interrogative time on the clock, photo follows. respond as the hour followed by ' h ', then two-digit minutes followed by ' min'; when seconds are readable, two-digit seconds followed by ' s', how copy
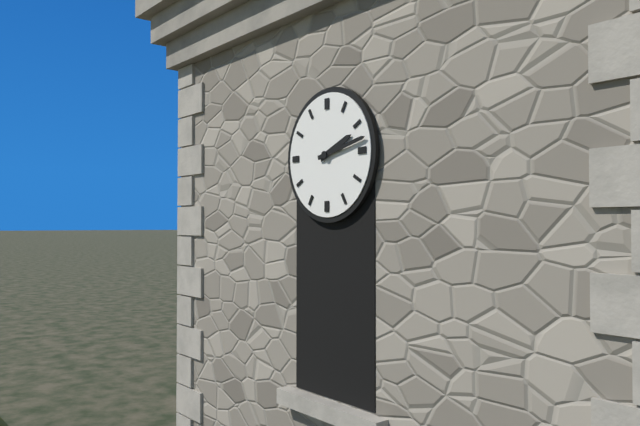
2 h 13 min
